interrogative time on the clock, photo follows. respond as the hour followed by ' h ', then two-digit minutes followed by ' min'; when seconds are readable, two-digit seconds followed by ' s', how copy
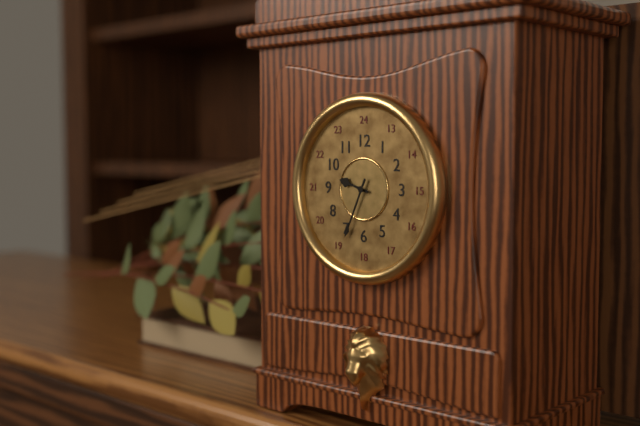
9 h 34 min
